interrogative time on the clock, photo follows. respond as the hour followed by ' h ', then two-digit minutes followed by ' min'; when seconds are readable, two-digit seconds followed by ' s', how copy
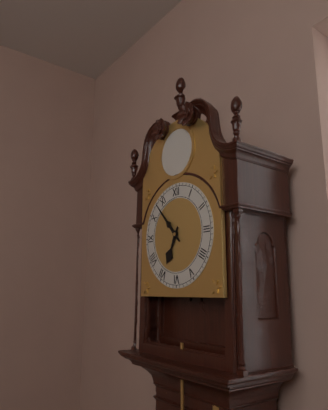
6 h 53 min
